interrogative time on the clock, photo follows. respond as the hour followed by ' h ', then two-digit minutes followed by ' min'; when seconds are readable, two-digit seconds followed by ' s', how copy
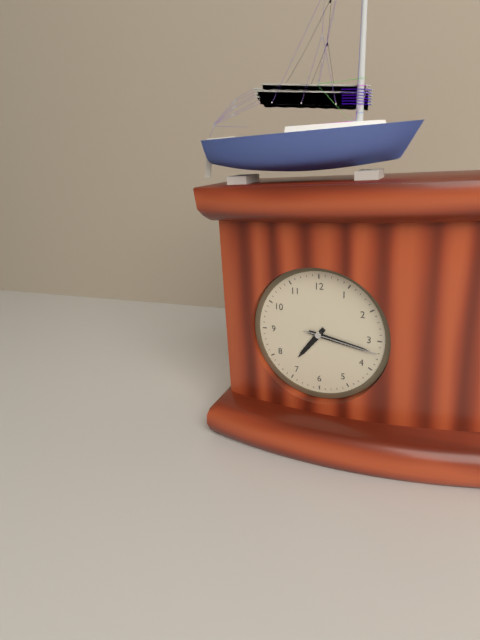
7 h 17 min 17 s
